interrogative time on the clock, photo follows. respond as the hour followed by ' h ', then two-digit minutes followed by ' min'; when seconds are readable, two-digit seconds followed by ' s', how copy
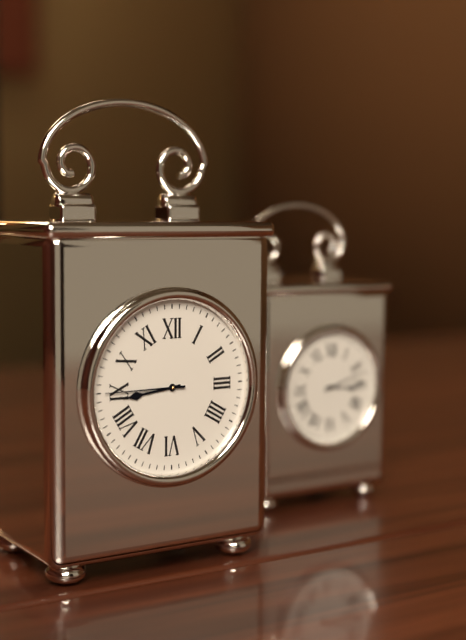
8 h 45 min
